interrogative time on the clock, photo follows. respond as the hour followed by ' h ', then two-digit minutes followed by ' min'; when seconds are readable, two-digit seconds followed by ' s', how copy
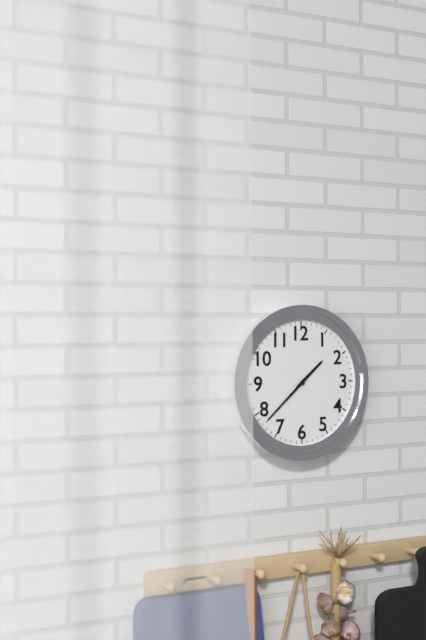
1 h 38 min
